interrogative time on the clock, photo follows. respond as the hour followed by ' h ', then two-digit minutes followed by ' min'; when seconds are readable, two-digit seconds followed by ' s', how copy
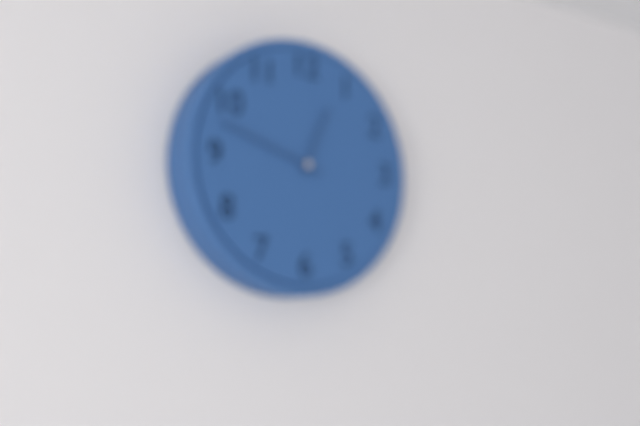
12 h 48 min
